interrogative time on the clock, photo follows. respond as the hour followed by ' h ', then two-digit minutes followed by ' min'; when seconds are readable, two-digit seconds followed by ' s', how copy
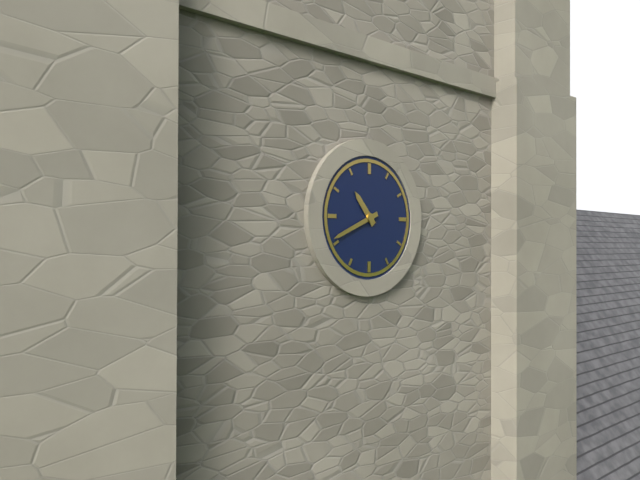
10 h 41 min
